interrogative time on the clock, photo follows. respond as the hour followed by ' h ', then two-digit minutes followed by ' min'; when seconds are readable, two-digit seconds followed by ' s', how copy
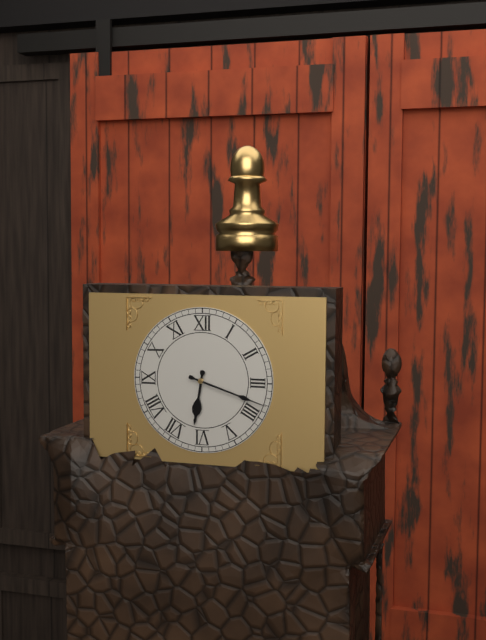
6 h 18 min
